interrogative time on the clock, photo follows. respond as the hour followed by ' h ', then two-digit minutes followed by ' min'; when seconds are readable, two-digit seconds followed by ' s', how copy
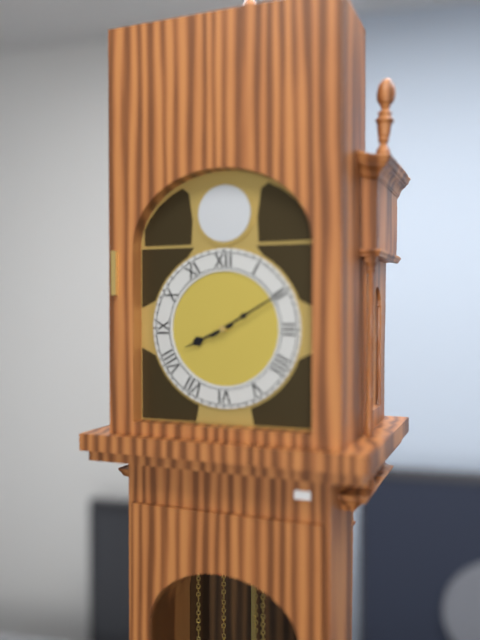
8 h 10 min
